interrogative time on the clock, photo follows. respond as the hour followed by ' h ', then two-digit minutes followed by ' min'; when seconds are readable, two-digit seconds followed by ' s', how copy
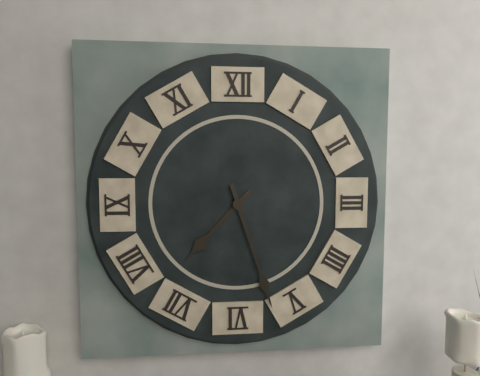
7 h 27 min
